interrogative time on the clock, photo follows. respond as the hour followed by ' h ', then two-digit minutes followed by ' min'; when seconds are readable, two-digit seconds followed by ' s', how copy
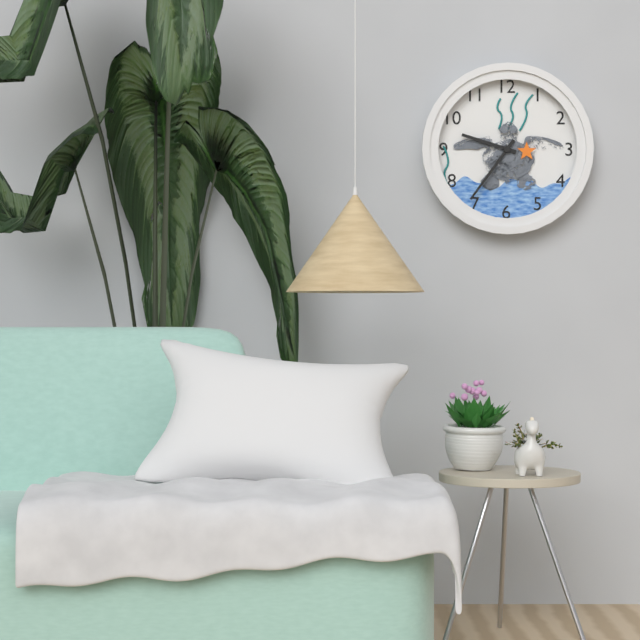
9 h 36 min
